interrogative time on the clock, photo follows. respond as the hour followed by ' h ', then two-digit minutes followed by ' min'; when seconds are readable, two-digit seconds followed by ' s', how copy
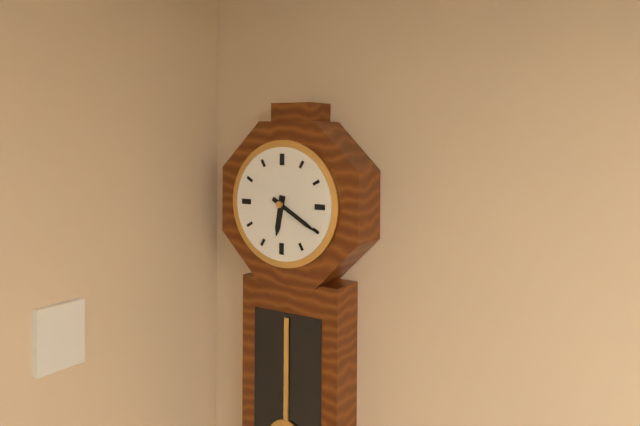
6 h 20 min
